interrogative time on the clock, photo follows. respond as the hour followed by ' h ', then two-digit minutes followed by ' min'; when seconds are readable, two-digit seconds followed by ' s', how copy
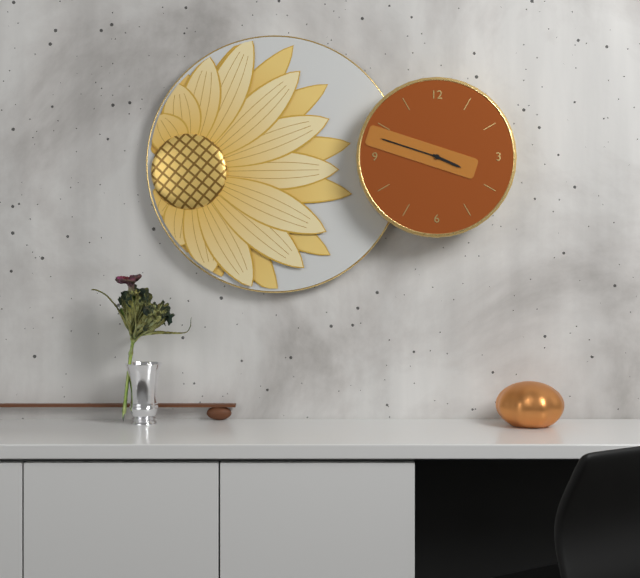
3 h 48 min
